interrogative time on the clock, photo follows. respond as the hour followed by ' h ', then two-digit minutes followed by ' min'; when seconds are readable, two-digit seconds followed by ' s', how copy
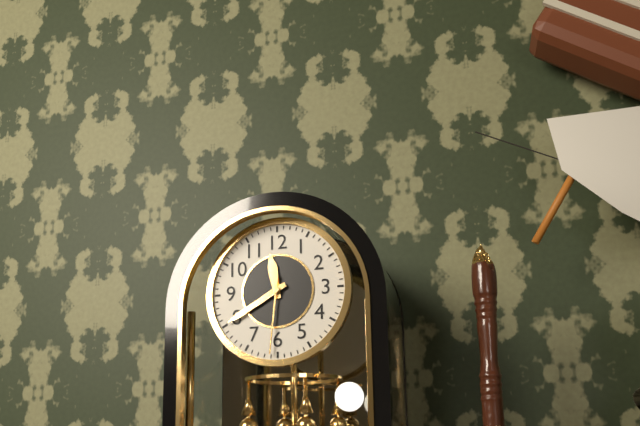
11 h 40 min 31 s
